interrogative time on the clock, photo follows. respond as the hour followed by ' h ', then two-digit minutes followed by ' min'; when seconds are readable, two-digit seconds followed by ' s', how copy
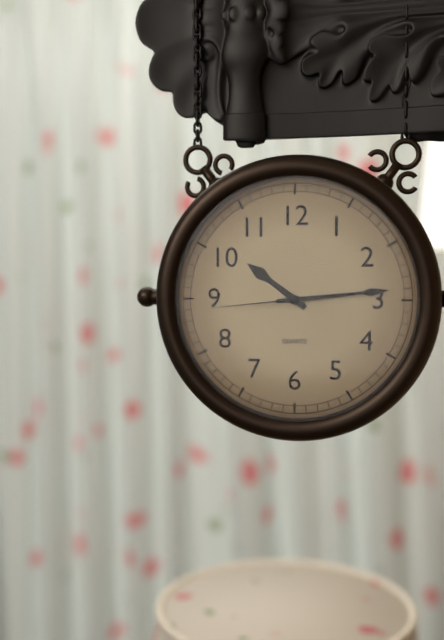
10 h 14 min 44 s
